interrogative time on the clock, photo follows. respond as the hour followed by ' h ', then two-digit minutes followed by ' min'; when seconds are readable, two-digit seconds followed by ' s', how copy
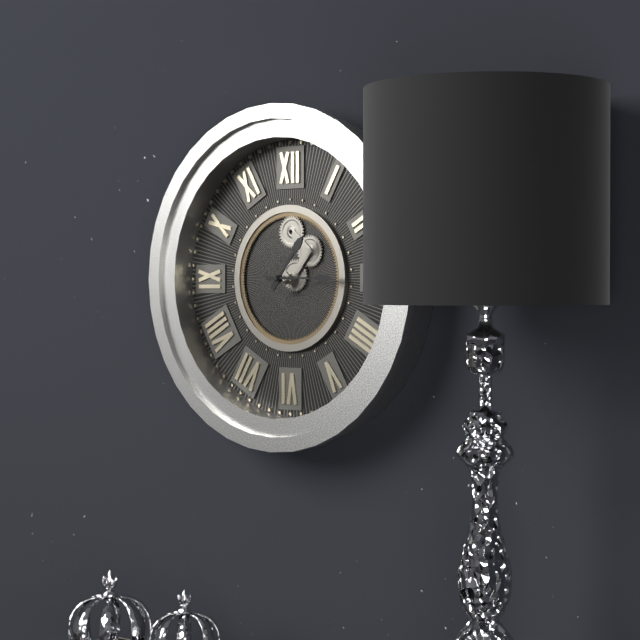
1 h 15 min
